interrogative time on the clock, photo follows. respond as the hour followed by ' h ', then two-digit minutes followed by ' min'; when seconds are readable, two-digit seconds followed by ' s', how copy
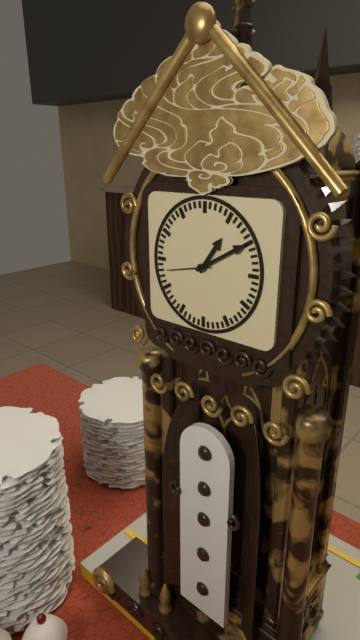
1 h 10 min
